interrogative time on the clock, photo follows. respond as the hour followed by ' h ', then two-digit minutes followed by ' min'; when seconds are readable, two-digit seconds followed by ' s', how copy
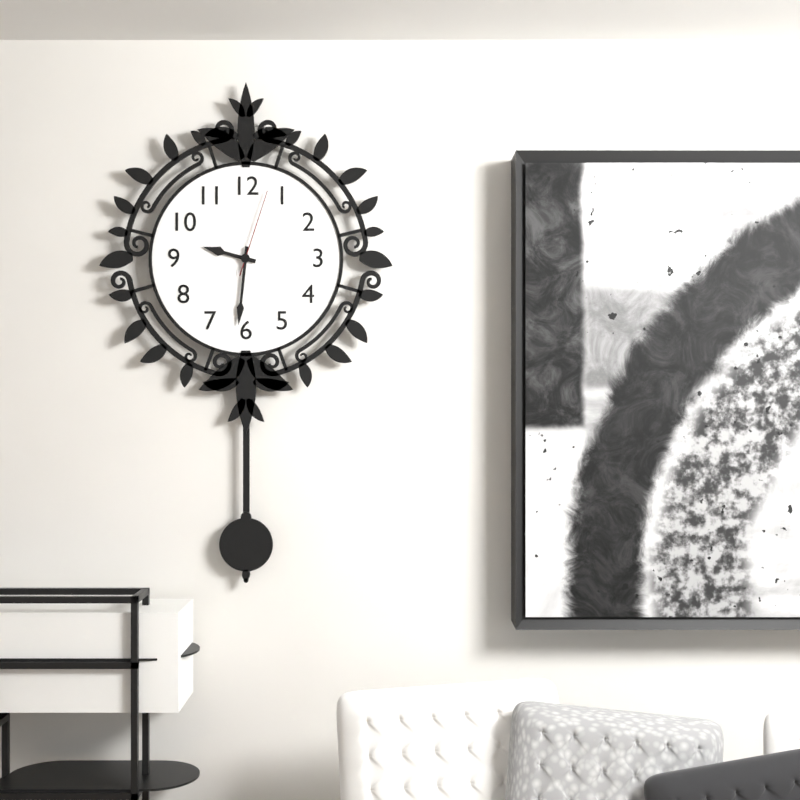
9 h 31 min 03 s
